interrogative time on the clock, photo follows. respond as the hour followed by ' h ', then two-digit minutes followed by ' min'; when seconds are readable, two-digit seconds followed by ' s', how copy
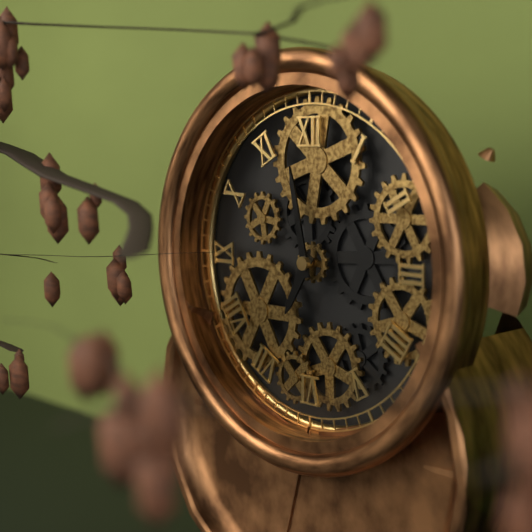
6 h 58 min
